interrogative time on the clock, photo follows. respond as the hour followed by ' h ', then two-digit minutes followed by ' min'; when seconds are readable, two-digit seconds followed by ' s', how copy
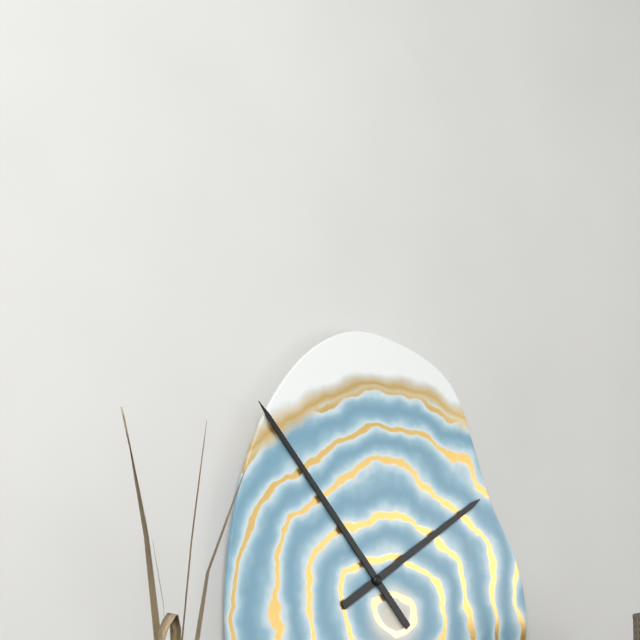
1 h 53 min
